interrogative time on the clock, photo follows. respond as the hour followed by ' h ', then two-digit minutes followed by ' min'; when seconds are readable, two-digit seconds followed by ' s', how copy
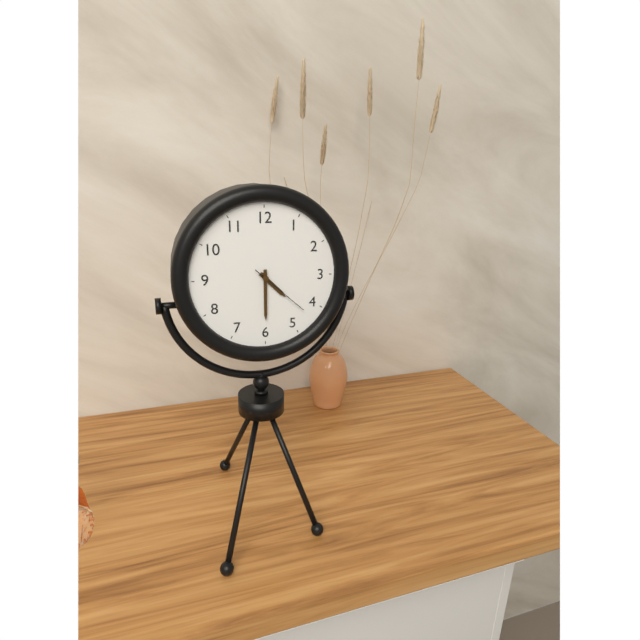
4 h 30 min 22 s
